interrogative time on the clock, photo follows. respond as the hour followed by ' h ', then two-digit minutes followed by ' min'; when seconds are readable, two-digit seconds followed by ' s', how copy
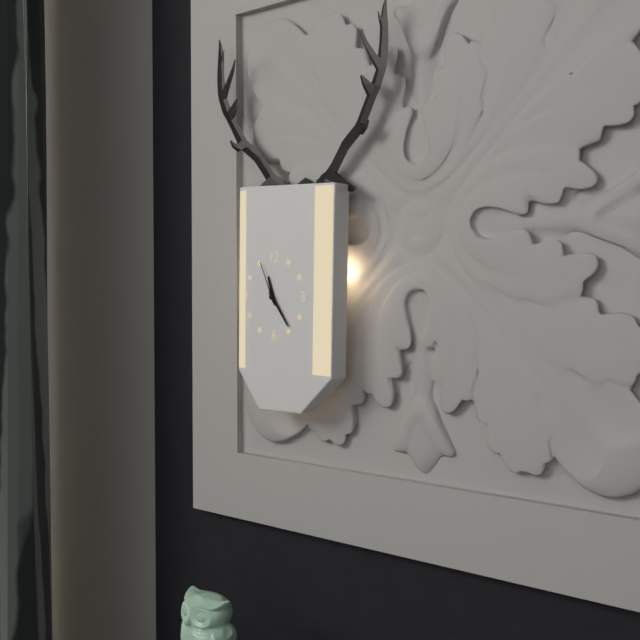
11 h 24 min
